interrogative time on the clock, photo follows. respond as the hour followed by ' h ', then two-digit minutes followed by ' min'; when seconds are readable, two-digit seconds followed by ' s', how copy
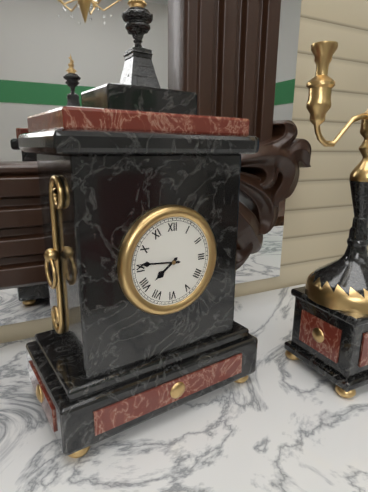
7 h 46 min
